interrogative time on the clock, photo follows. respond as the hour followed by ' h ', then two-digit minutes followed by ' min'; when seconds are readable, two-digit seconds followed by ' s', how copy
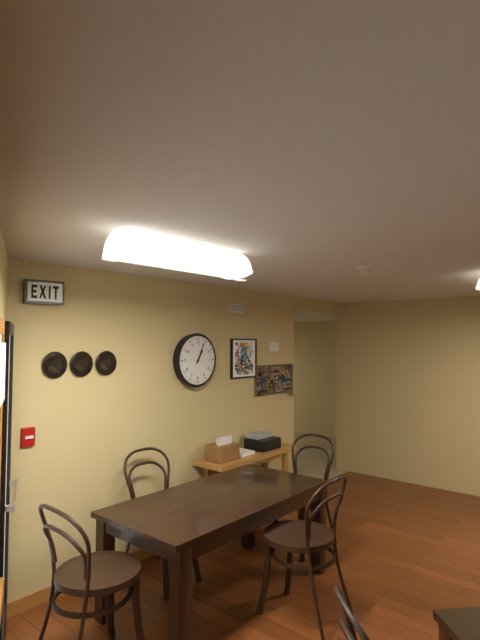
1 h 04 min
